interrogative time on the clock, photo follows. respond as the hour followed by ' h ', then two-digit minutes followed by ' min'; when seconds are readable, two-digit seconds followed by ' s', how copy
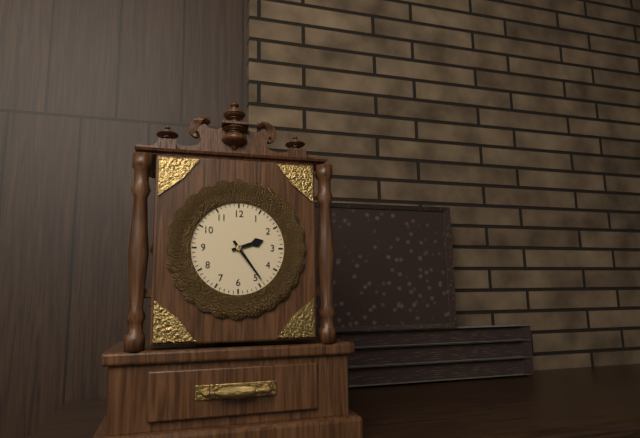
2 h 24 min
